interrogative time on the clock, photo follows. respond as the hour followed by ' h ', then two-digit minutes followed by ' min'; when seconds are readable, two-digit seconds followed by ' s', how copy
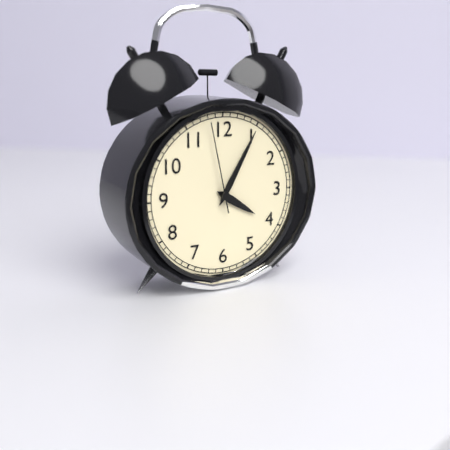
4 h 05 min 58 s
